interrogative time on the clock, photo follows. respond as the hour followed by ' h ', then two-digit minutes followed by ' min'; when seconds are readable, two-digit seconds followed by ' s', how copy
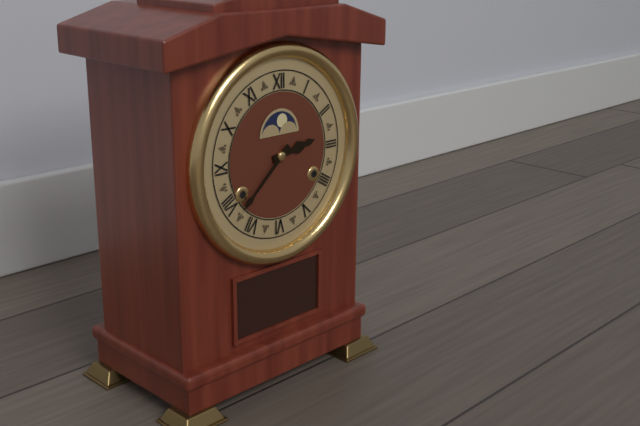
2 h 38 min
